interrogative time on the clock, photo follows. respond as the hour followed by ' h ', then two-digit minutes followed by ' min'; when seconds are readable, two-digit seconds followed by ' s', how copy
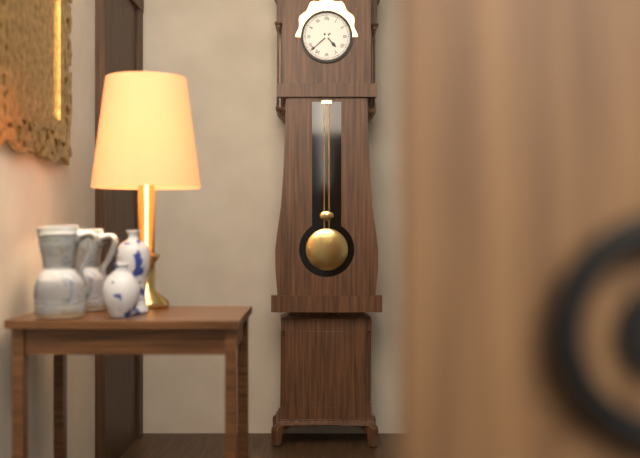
4 h 38 min
